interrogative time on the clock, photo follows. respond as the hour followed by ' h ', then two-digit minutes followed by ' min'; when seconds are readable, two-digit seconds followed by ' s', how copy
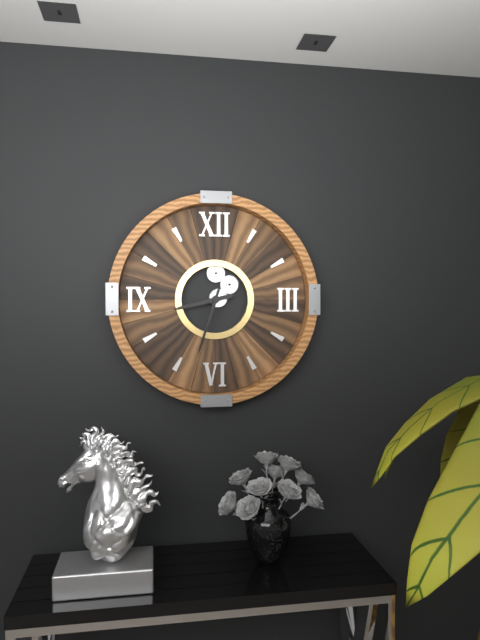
8 h 33 min
